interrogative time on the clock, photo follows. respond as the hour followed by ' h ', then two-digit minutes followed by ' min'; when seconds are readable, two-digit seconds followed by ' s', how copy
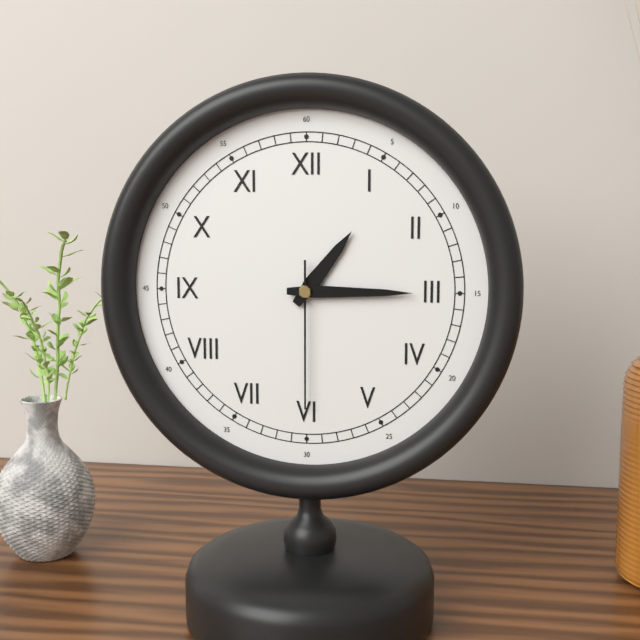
1 h 15 min 30 s
